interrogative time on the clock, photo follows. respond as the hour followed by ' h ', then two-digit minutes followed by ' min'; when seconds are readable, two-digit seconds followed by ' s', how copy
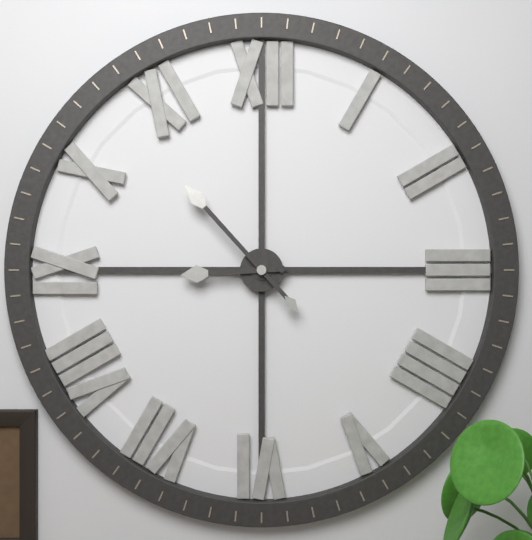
8 h 53 min
